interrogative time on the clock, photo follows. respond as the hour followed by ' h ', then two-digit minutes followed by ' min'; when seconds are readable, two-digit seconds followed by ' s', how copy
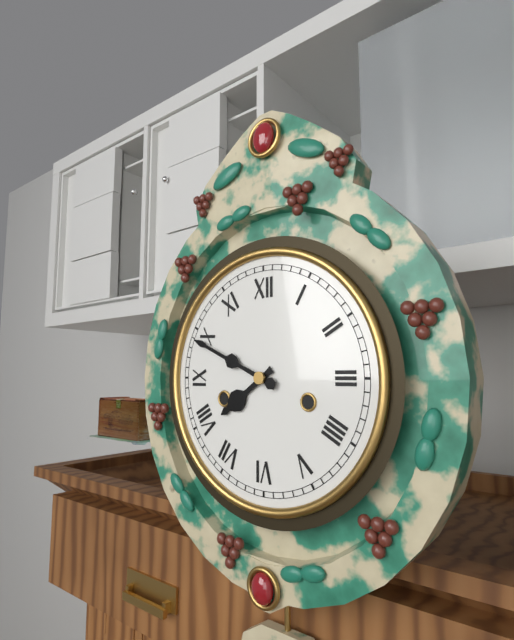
7 h 49 min
